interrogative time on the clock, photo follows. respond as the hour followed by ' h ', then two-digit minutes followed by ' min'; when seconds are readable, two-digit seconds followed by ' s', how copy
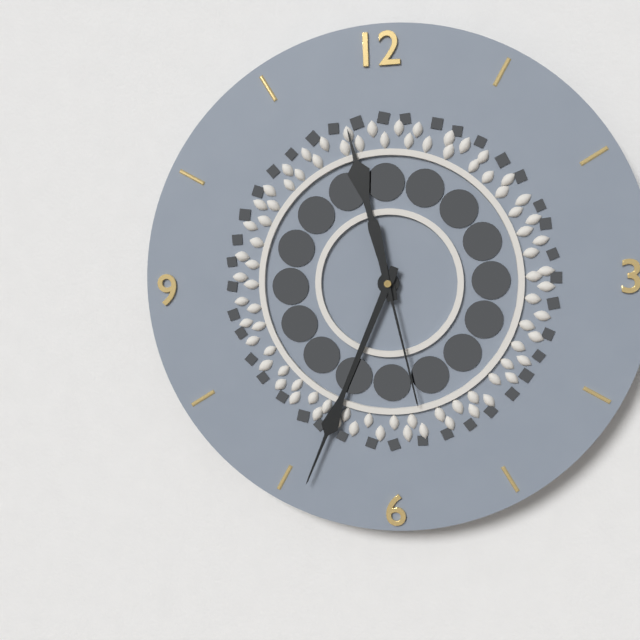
11 h 34 min 28 s
